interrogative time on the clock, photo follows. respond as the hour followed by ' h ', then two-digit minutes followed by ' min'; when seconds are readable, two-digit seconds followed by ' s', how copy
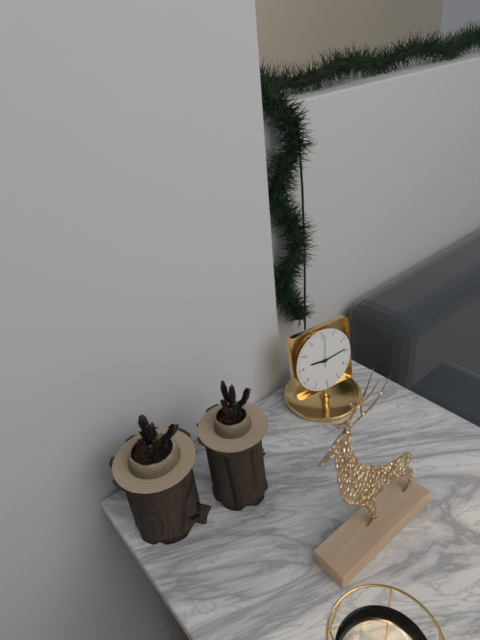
9 h 14 min
